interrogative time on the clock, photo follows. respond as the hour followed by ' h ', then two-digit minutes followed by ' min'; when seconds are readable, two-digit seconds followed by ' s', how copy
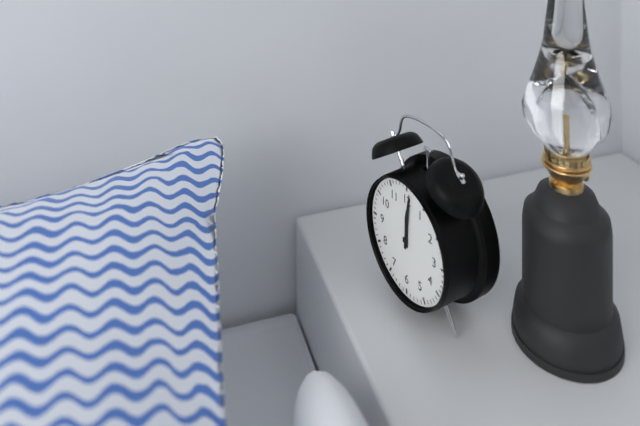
12 h 01 min
